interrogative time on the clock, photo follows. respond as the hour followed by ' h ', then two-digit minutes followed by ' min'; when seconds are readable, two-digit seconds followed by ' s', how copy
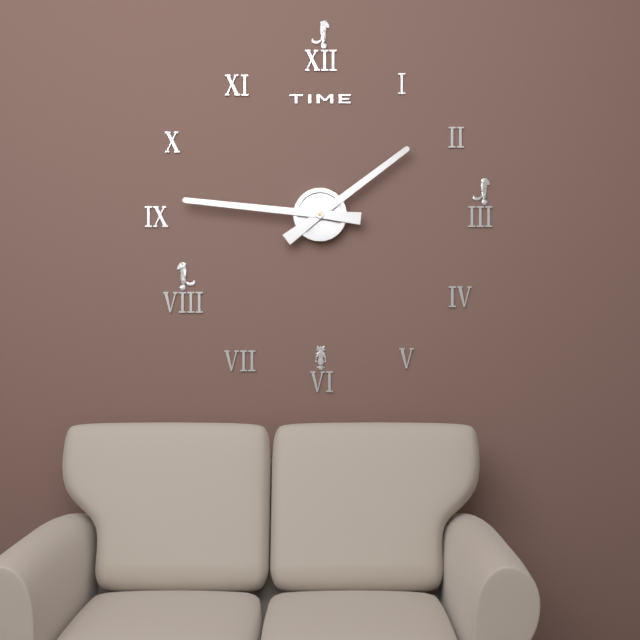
1 h 46 min
